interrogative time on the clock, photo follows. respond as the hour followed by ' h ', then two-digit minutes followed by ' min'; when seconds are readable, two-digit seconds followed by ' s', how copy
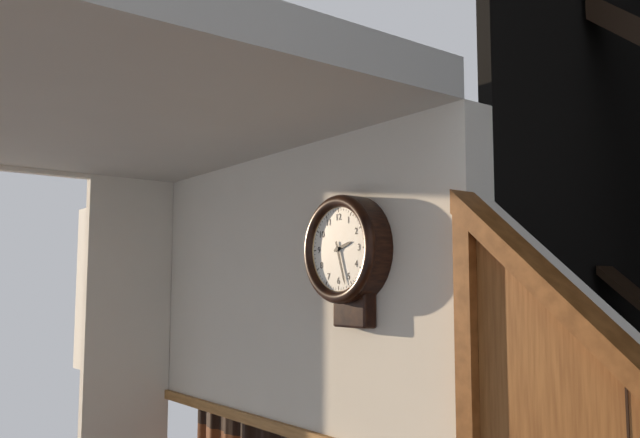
2 h 27 min
